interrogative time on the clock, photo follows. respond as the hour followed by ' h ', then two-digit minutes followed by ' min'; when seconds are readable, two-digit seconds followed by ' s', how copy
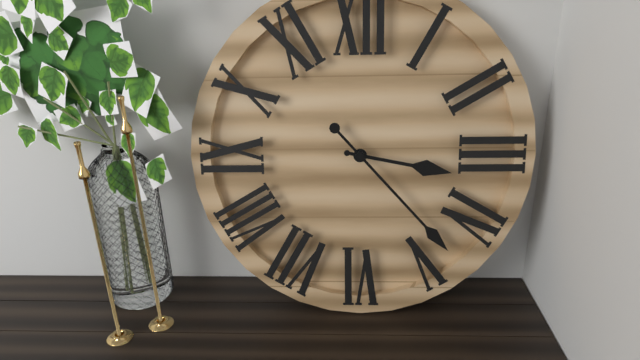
3 h 23 min
